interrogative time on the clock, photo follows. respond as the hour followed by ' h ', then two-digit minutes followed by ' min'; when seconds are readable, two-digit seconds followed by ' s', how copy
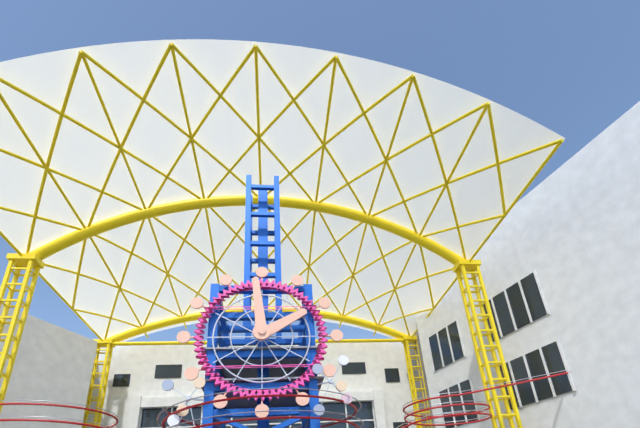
1 h 59 min
